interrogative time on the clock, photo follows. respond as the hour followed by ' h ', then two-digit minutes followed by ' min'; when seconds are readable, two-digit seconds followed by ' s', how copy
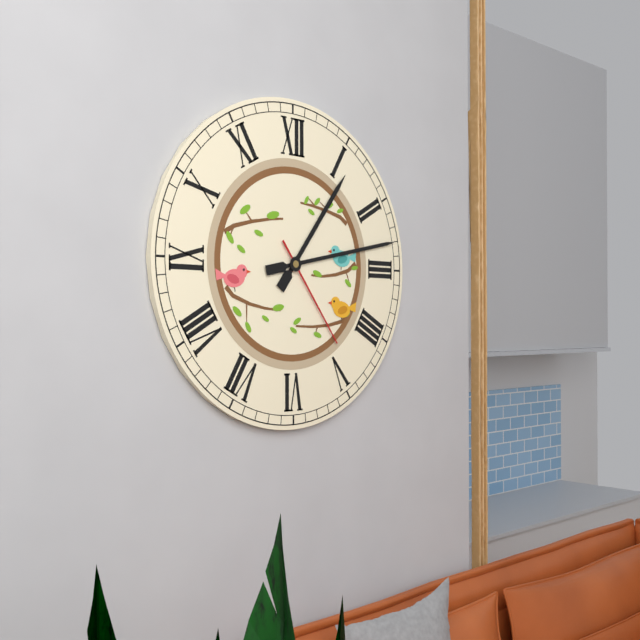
1 h 13 min 24 s
